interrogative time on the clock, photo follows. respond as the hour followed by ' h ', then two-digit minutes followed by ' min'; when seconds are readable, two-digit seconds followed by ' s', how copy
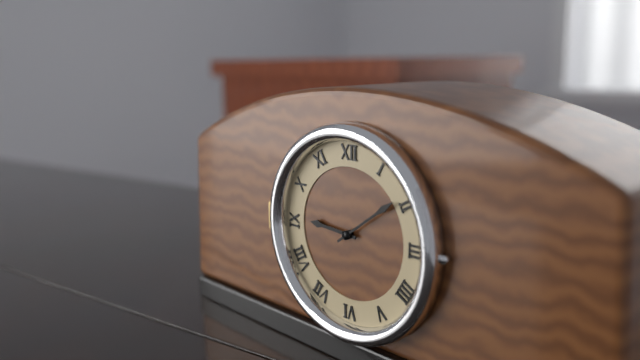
9 h 09 min
